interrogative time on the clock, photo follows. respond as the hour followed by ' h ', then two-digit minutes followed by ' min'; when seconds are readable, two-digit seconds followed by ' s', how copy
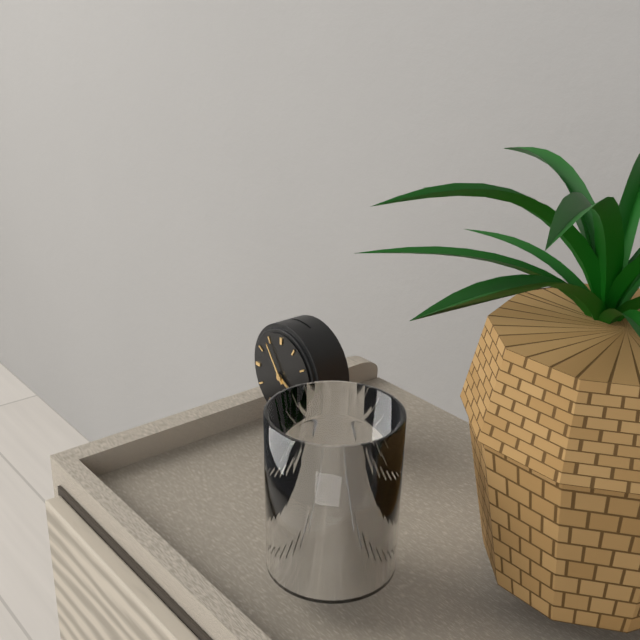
3 h 54 min
